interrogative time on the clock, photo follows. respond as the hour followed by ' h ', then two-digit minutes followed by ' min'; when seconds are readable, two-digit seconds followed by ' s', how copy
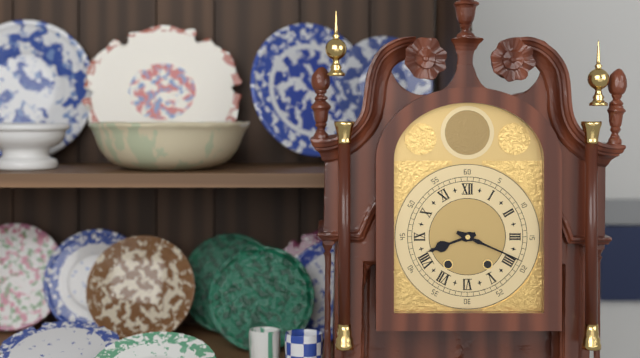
8 h 19 min
